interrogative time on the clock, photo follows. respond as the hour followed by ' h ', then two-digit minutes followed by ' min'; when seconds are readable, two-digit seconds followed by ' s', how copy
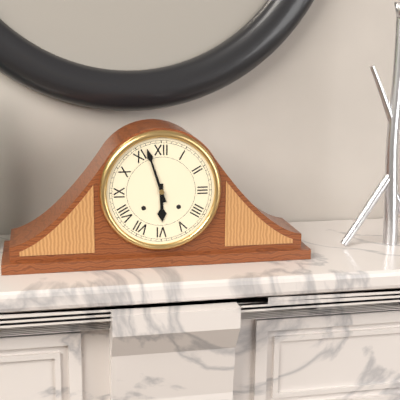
5 h 57 min
